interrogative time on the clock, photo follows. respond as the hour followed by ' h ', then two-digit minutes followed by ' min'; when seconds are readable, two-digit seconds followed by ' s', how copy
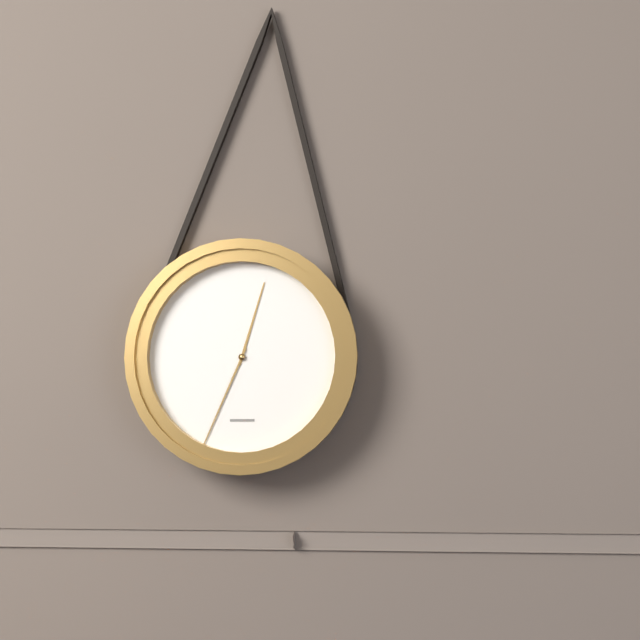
12 h 34 min
